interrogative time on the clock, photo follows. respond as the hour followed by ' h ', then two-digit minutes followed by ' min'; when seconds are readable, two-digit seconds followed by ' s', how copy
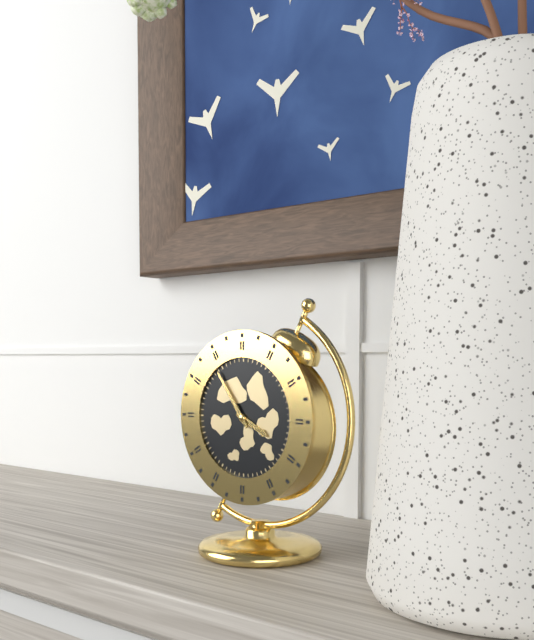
3 h 54 min
